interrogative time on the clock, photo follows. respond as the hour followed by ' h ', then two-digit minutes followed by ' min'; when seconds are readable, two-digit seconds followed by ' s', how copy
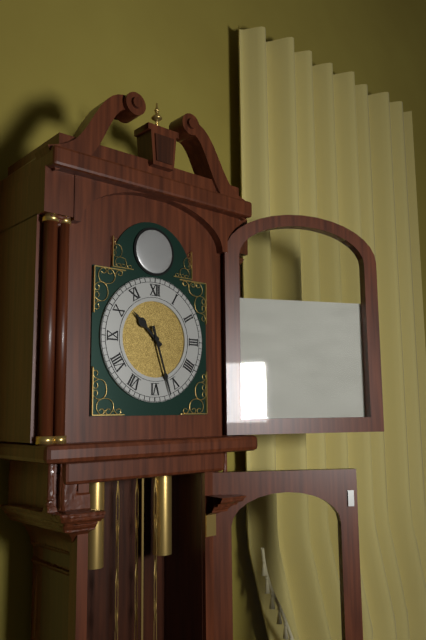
10 h 27 min
